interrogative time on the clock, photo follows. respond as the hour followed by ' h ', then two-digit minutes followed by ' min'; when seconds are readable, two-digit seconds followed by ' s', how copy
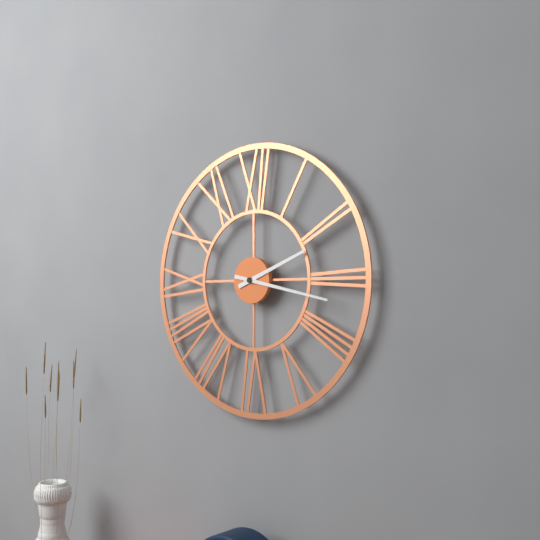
2 h 17 min
